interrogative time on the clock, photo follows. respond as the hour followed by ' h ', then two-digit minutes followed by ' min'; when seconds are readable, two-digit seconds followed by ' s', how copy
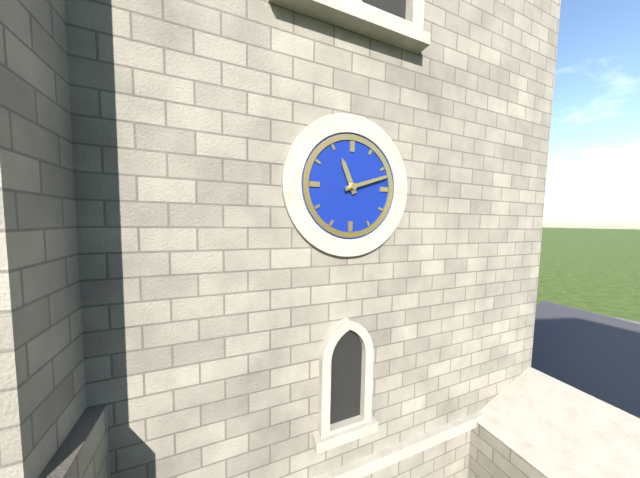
11 h 12 min
